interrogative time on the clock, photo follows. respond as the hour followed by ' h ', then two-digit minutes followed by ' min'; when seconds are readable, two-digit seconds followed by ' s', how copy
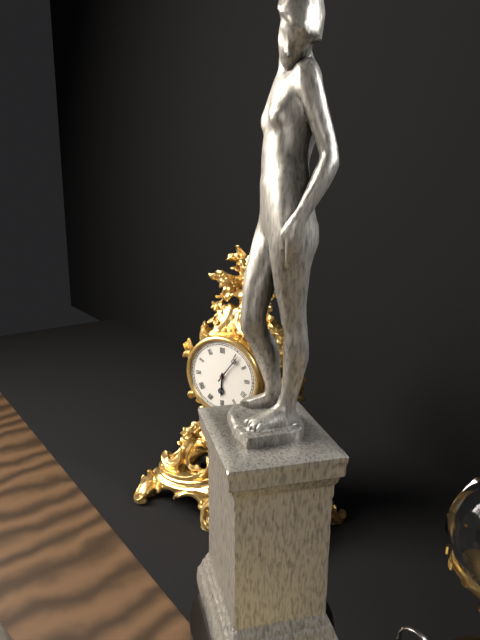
6 h 06 min
